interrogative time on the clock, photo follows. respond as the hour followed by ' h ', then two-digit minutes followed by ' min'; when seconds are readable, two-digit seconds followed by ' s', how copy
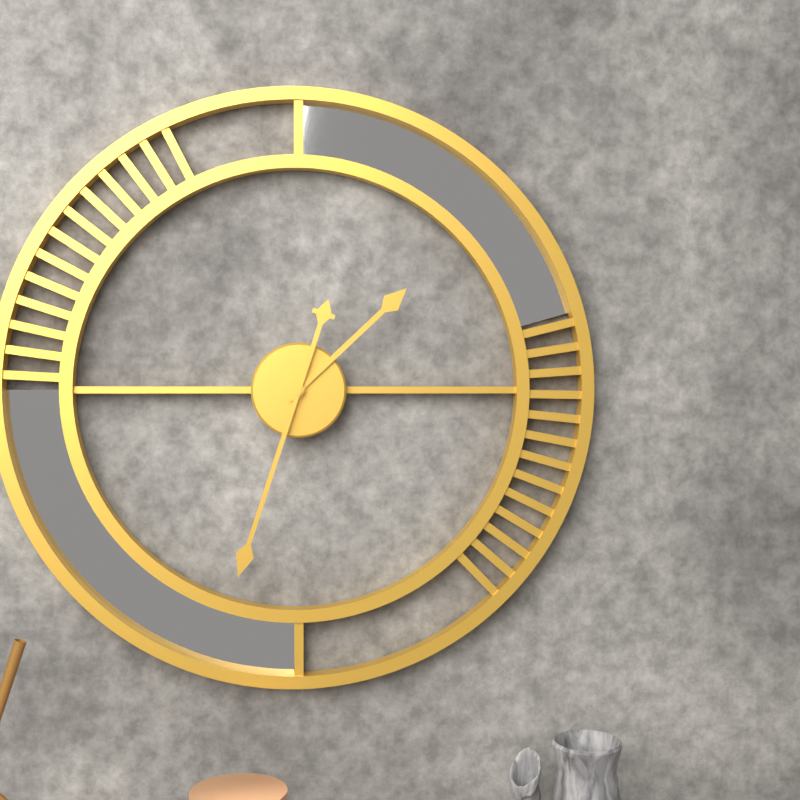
1 h 33 min
